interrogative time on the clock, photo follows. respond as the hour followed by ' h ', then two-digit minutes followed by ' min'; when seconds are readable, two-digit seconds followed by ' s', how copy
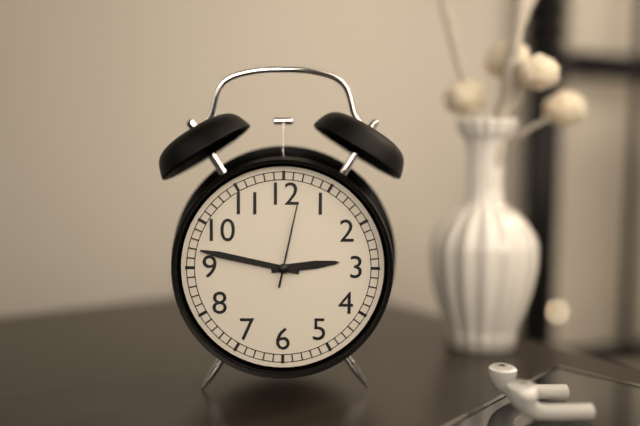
2 h 47 min 02 s
